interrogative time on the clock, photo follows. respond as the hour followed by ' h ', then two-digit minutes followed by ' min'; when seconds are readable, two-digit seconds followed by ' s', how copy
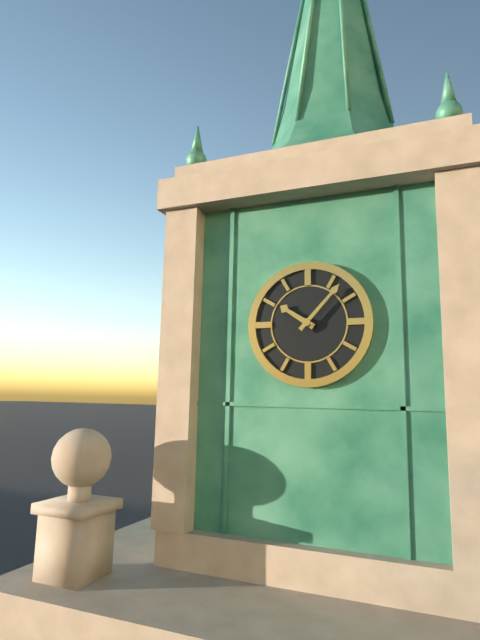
10 h 07 min
